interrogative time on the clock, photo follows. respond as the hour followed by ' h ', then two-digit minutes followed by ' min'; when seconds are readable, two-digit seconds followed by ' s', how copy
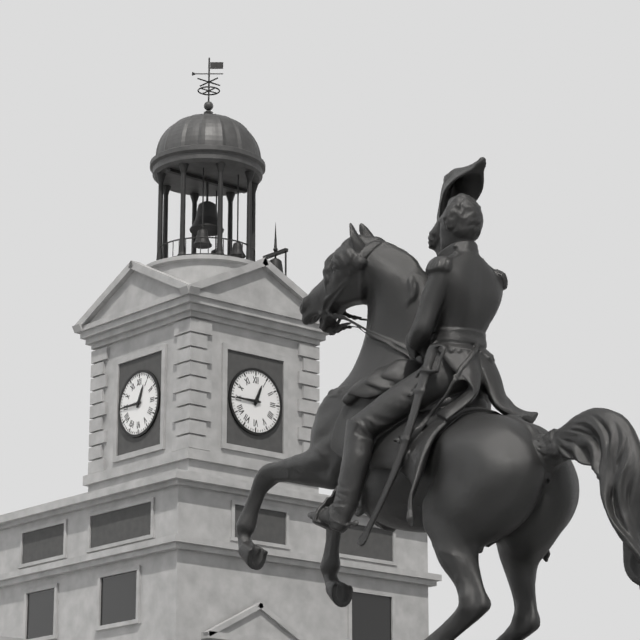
12 h 45 min
